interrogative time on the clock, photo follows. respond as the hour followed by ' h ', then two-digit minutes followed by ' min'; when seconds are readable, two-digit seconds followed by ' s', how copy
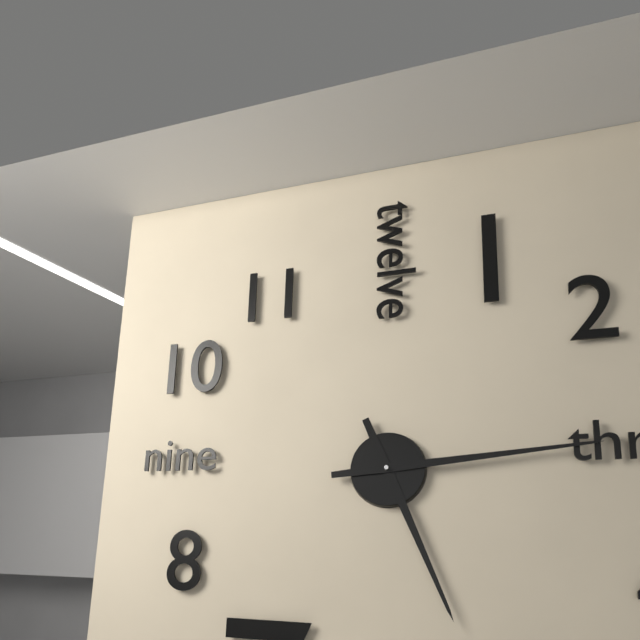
5 h 14 min
